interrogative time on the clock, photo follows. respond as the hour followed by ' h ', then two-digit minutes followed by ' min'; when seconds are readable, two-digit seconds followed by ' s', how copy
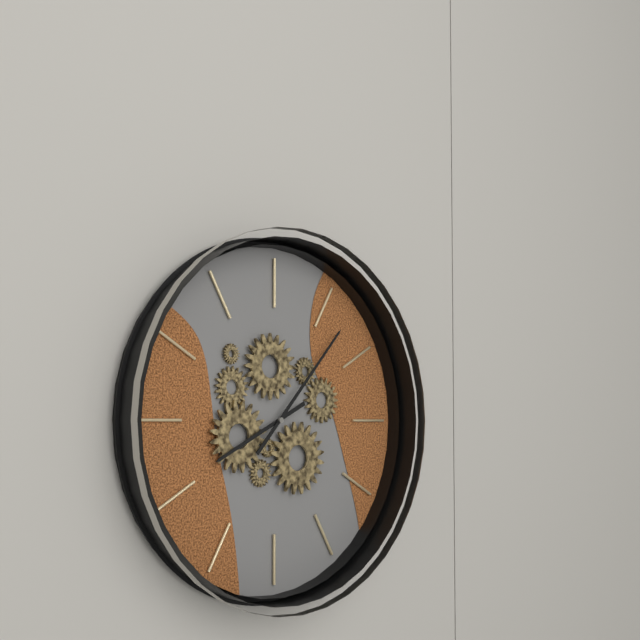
8 h 07 min
